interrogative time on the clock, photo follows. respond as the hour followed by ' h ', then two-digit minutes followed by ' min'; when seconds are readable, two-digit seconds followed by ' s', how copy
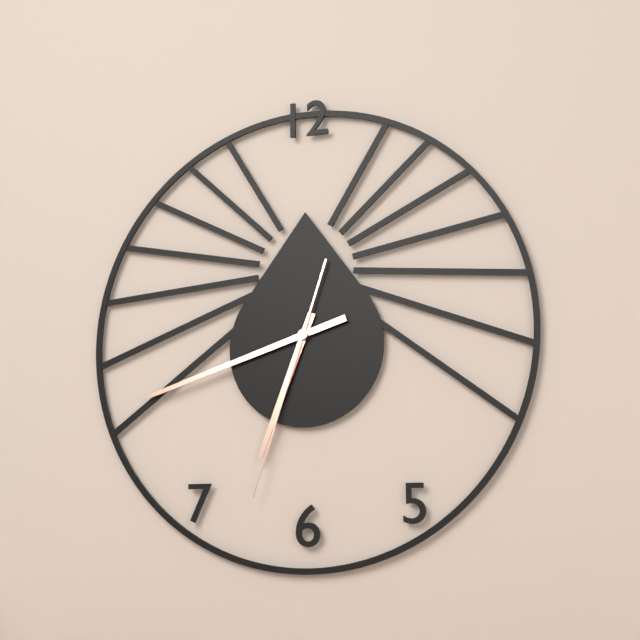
6 h 42 min 33 s
